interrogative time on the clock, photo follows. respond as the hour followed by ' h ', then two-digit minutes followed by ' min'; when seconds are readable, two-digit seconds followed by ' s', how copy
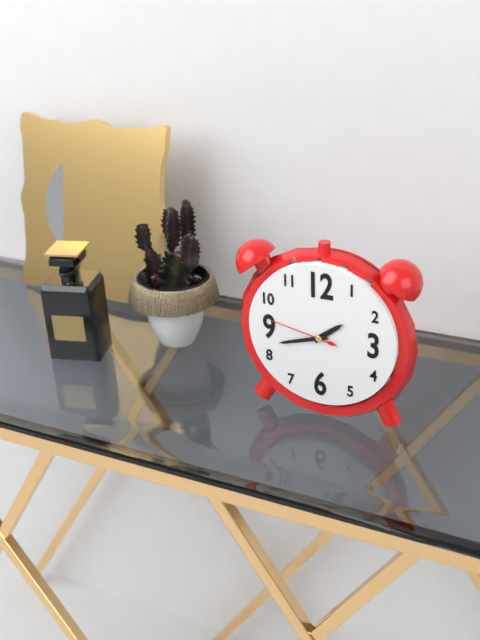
1 h 42 min 47 s
